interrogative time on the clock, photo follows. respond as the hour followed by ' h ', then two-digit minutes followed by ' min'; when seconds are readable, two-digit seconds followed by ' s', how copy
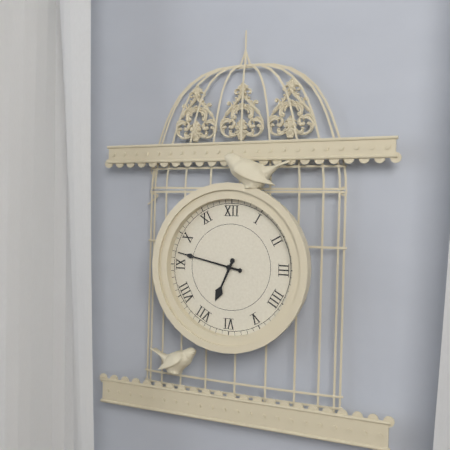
6 h 47 min
